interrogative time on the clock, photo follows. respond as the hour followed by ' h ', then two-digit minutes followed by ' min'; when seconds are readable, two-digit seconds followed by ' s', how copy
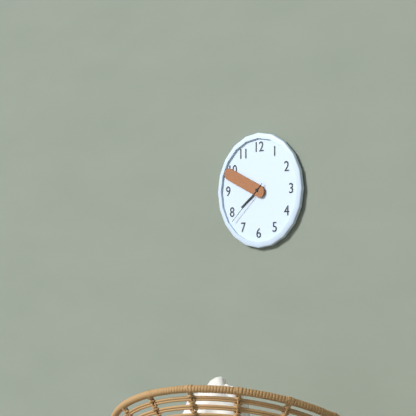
7 h 49 min 38 s
